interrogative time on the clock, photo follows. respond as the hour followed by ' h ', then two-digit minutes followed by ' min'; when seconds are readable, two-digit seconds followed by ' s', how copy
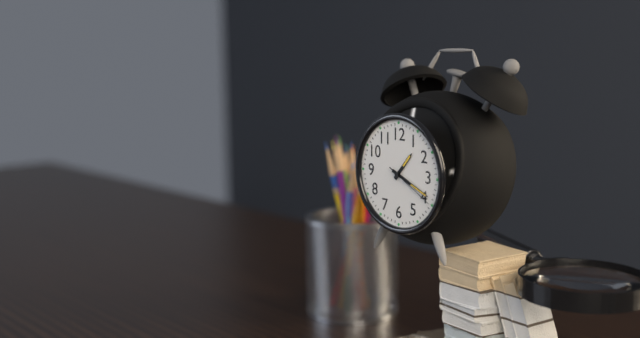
1 h 19 min 20 s
